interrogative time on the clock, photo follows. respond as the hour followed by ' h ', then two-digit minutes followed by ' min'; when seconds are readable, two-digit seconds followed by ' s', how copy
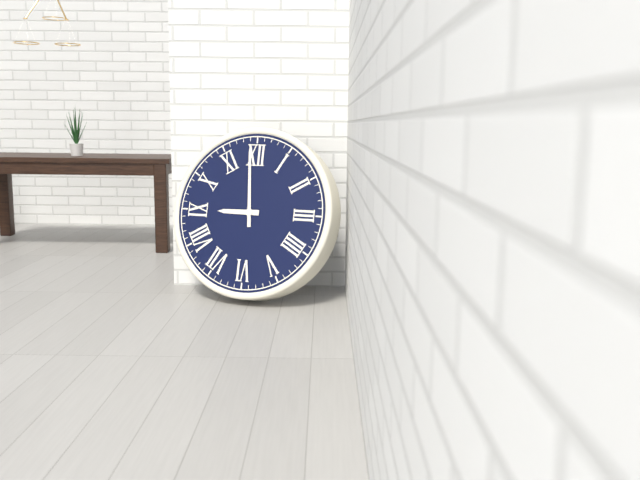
8 h 59 min
